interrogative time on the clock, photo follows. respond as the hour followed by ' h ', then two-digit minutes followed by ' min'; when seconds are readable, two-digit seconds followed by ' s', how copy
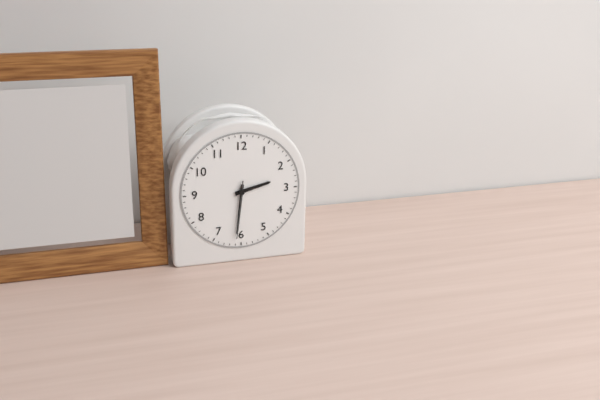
2 h 31 min 31 s
